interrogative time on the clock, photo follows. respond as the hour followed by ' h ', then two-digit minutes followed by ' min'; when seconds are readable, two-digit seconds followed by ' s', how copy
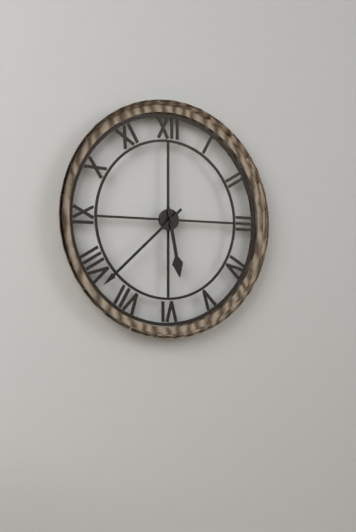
5 h 38 min
